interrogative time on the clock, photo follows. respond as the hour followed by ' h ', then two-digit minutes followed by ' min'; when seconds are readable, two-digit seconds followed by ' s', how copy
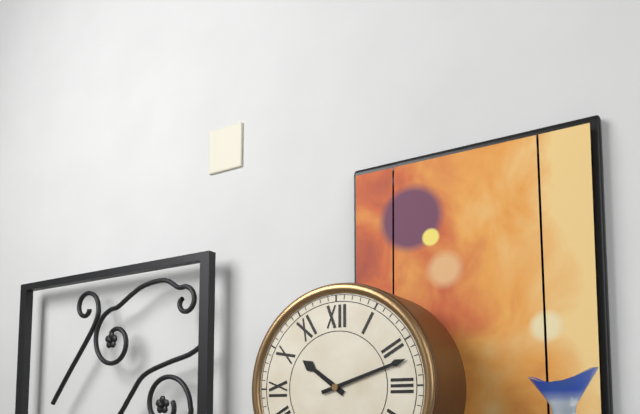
10 h 12 min
